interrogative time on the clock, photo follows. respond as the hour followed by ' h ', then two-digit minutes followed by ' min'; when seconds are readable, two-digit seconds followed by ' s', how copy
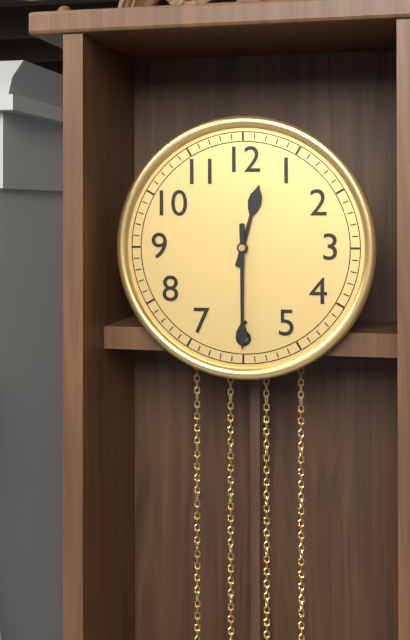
12 h 30 min
